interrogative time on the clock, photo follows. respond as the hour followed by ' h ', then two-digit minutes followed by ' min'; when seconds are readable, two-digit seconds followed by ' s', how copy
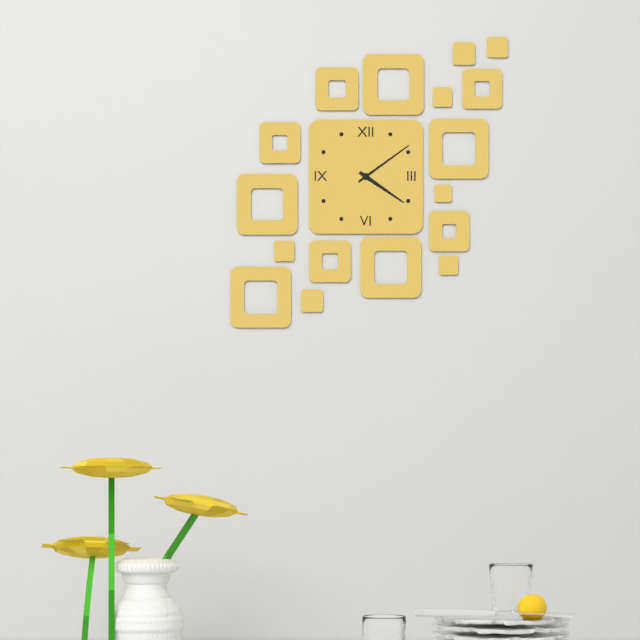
4 h 09 min
